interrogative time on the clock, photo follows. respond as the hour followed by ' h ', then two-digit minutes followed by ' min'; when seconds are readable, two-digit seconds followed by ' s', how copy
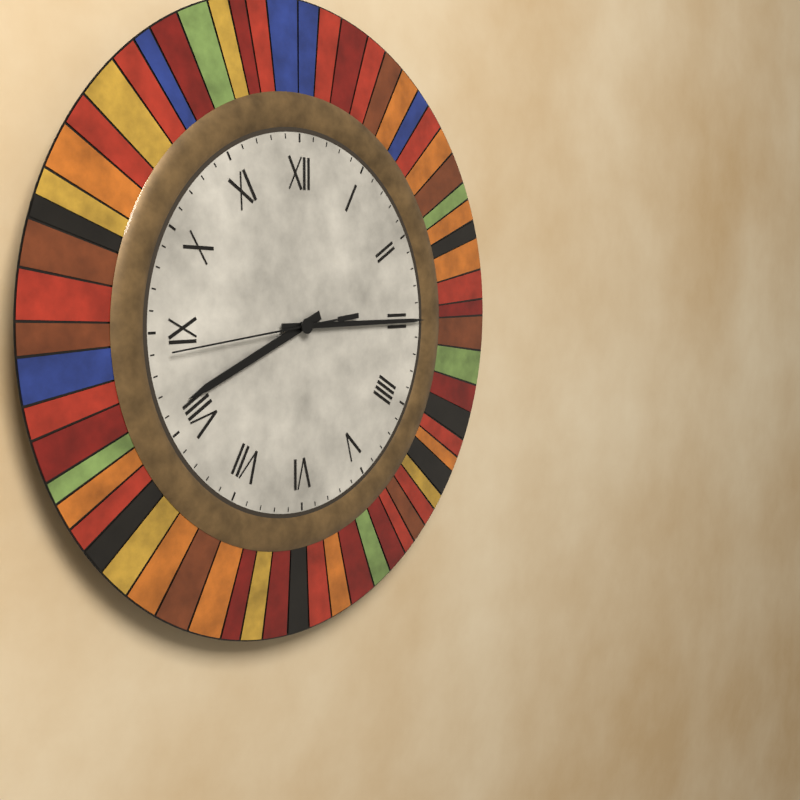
8 h 15 min 44 s
